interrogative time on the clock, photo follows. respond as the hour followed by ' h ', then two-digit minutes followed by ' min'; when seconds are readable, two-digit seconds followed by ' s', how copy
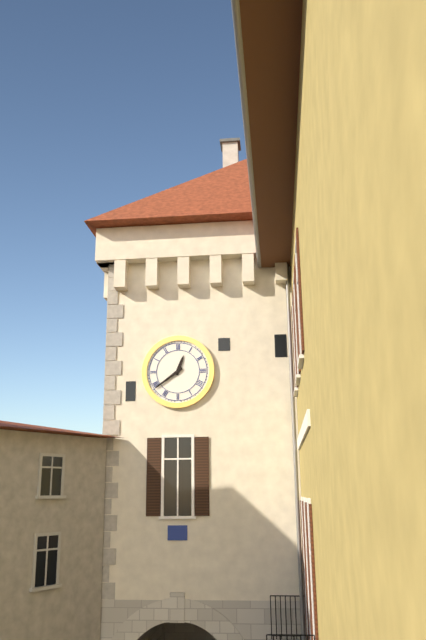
12 h 39 min
